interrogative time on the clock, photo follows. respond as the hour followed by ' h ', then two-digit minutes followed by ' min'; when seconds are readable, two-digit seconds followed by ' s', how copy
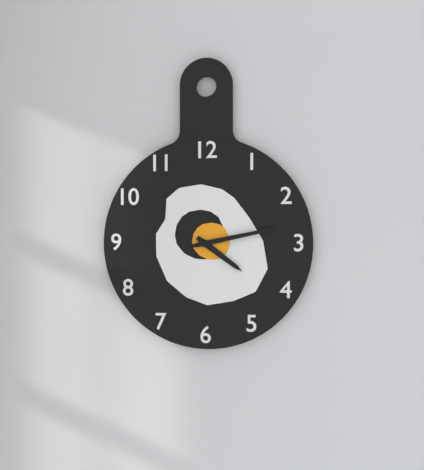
4 h 13 min
